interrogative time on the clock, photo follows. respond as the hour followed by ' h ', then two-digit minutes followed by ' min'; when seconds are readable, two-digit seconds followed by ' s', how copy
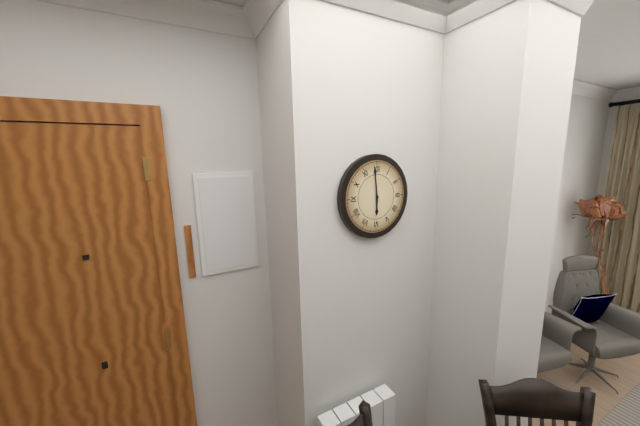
5 h 59 min
